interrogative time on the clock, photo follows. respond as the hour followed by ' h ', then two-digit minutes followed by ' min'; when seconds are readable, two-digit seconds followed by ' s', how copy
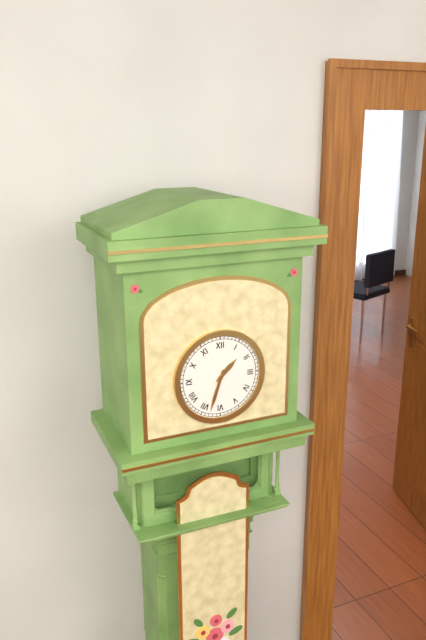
1 h 33 min
